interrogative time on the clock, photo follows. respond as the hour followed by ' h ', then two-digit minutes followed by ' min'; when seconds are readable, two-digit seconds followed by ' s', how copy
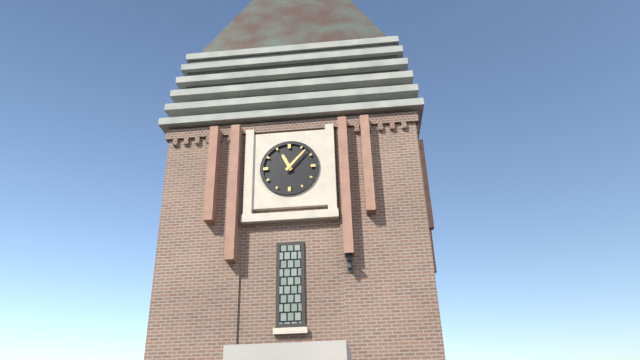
11 h 07 min
